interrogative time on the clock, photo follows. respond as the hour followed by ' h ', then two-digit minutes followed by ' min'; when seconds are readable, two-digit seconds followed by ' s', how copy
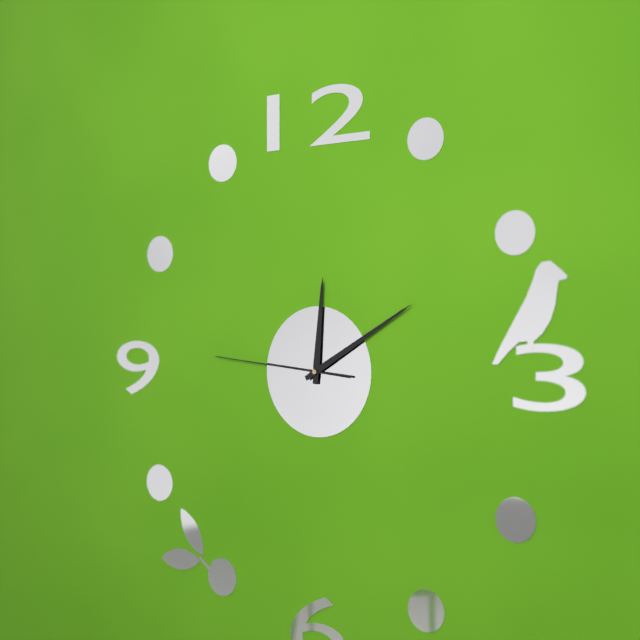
12 h 10 min 46 s
